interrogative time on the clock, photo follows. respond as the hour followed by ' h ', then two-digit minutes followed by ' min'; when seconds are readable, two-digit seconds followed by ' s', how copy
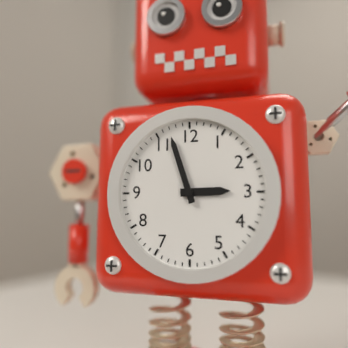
2 h 57 min
